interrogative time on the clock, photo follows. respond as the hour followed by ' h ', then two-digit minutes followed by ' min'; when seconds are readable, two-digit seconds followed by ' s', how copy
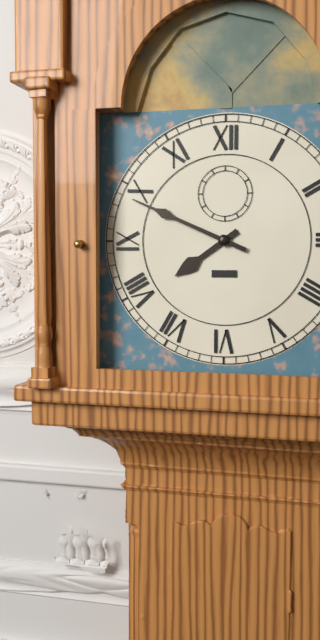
7 h 49 min
